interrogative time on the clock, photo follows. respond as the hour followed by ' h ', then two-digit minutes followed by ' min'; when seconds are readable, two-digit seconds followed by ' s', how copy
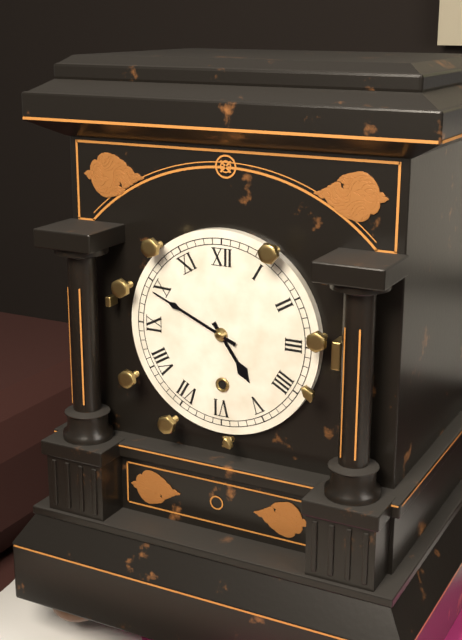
4 h 49 min
